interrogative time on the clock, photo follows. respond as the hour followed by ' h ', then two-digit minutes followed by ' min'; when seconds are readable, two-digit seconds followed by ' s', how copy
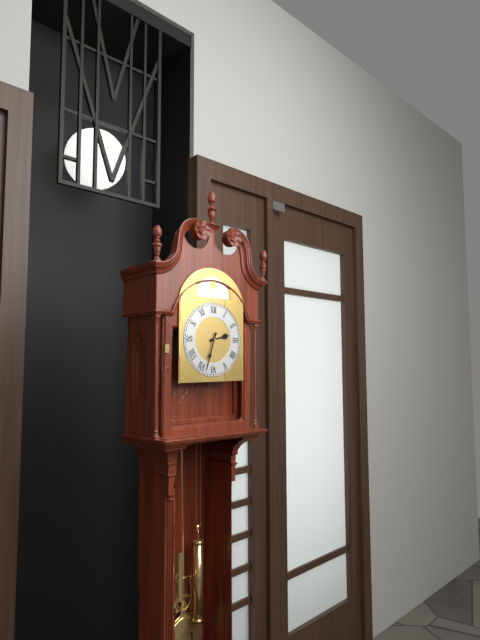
2 h 33 min
